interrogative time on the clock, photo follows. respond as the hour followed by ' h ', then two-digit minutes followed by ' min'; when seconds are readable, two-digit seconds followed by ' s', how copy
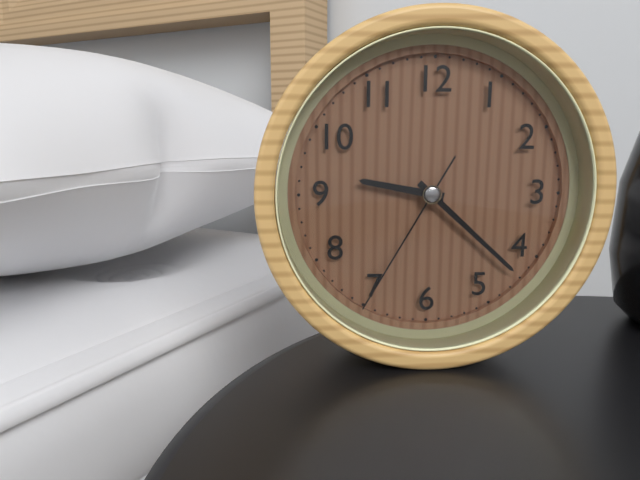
9 h 22 min 35 s
